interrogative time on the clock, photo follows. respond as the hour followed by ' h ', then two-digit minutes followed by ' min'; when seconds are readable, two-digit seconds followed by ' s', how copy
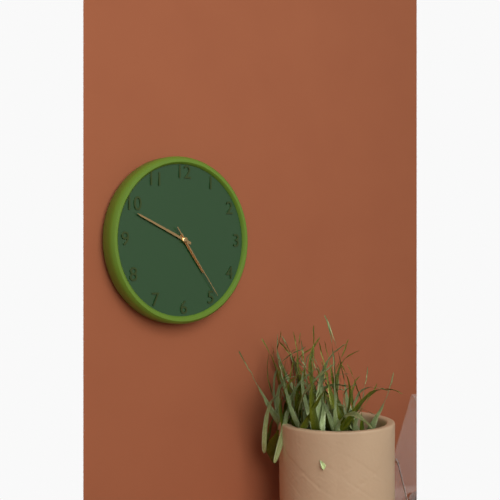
4 h 49 min 24 s
